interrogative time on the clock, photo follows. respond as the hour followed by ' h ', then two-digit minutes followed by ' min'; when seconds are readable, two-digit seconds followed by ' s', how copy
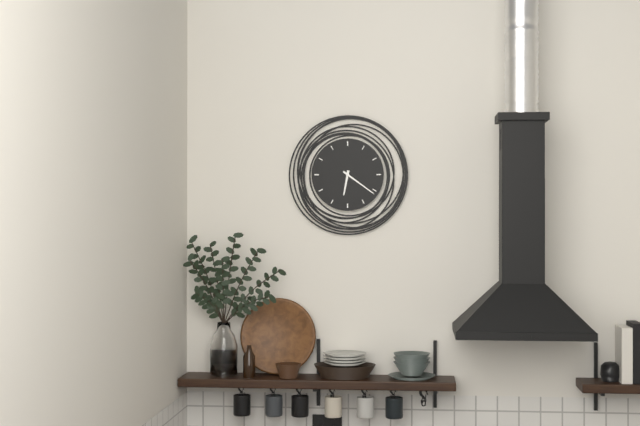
6 h 21 min
